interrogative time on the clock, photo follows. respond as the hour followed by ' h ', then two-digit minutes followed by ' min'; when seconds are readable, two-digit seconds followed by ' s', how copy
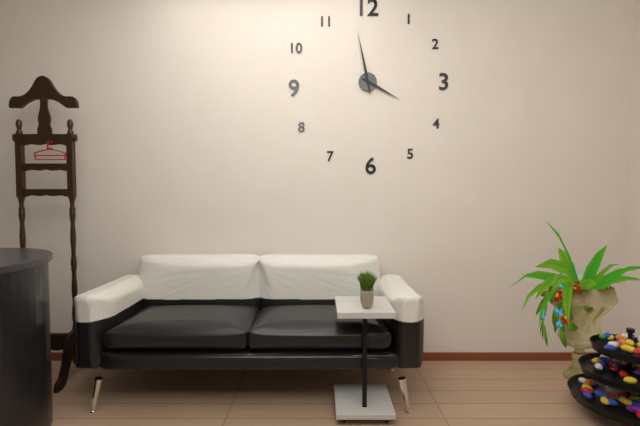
3 h 58 min
